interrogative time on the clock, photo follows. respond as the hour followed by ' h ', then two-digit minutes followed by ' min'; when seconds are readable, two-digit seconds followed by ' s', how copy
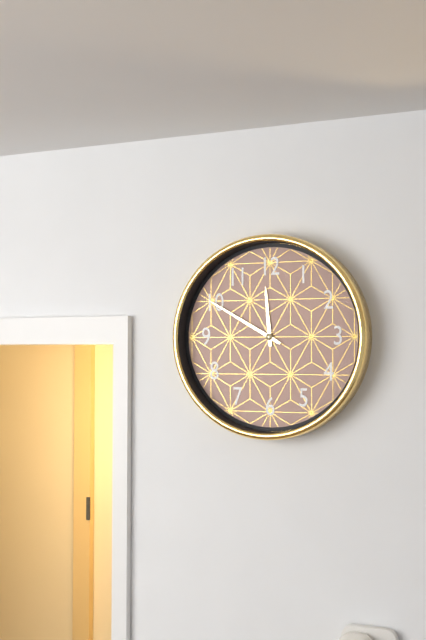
11 h 50 min
